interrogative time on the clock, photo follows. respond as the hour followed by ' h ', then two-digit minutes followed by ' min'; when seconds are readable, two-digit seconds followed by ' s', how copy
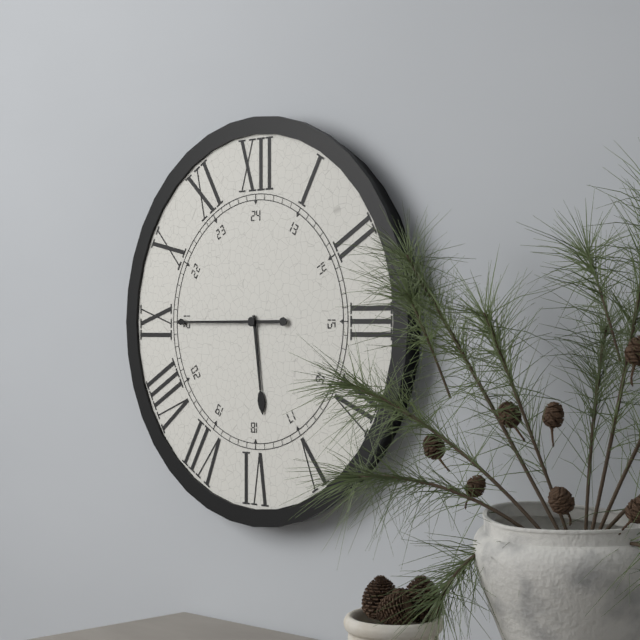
5 h 45 min
